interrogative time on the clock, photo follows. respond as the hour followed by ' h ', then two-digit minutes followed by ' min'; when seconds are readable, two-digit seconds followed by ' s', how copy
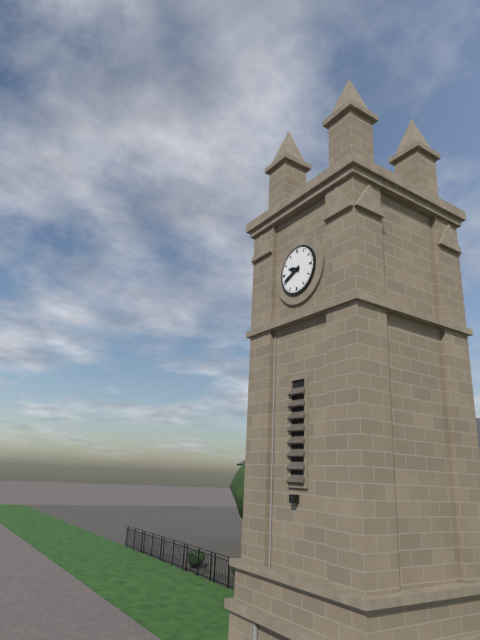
9 h 41 min
